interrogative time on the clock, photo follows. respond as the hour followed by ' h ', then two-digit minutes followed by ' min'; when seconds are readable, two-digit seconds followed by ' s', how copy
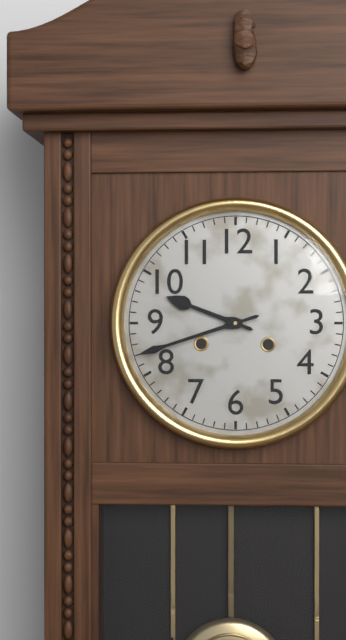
9 h 42 min
